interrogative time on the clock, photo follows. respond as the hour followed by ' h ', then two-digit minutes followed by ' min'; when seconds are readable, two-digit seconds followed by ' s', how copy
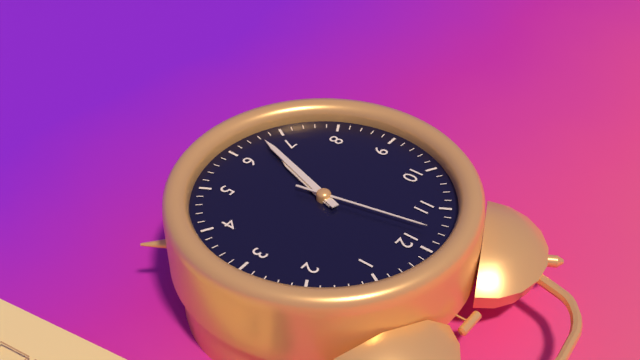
6 h 33 min 58 s
